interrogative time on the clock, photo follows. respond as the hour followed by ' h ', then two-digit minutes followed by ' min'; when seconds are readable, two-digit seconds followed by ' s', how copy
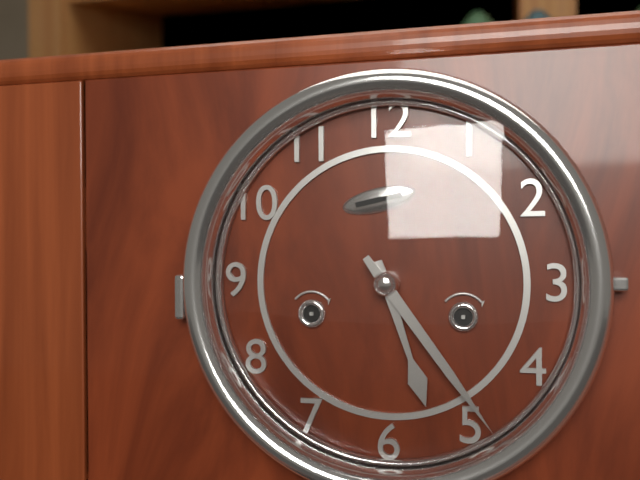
5 h 24 min
